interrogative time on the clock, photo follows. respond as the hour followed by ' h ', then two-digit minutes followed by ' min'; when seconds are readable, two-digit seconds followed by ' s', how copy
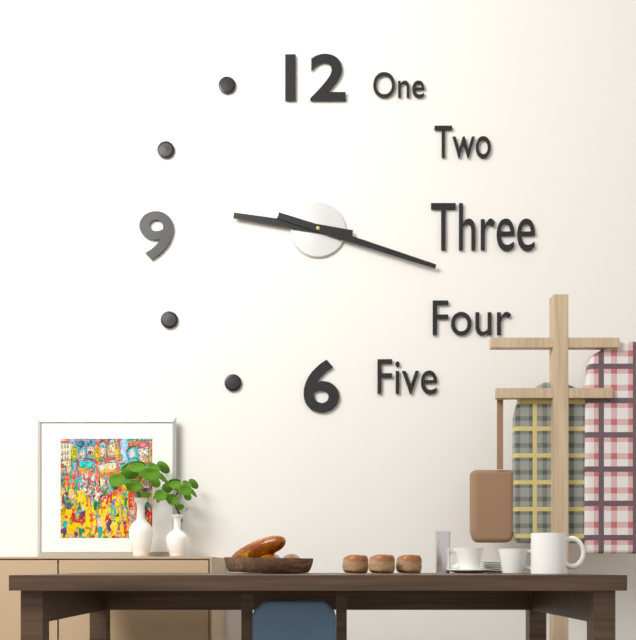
9 h 18 min
